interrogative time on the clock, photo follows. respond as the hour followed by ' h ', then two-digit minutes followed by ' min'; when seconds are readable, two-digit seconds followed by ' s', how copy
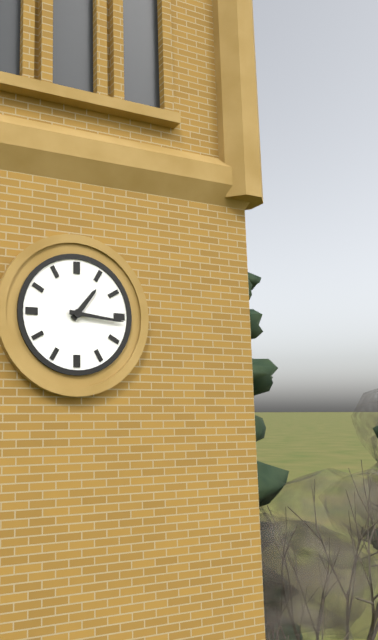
1 h 16 min
